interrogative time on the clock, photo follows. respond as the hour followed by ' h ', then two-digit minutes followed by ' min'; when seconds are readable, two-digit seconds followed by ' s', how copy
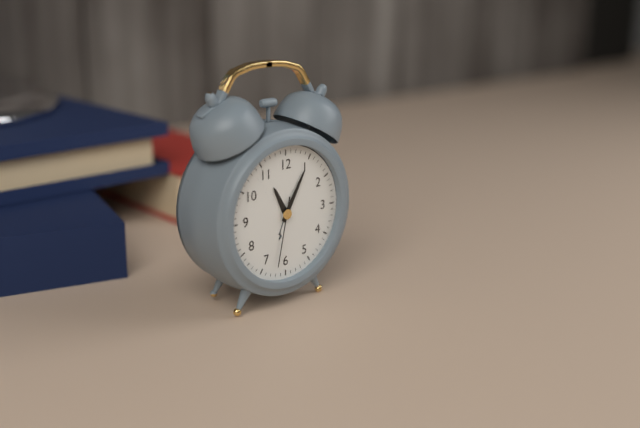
11 h 05 min 32 s
